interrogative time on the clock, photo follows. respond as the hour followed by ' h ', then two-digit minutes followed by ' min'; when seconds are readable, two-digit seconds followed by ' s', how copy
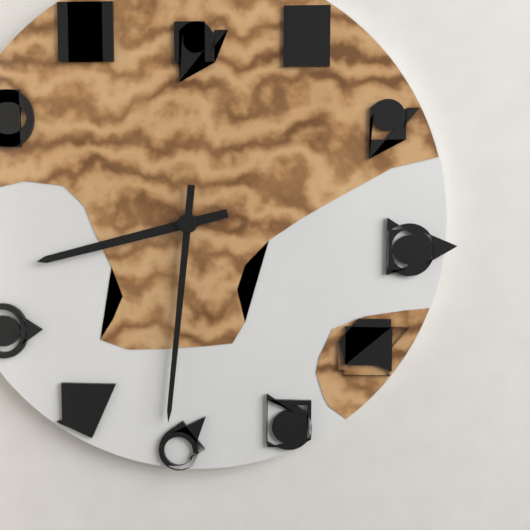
8 h 31 min
